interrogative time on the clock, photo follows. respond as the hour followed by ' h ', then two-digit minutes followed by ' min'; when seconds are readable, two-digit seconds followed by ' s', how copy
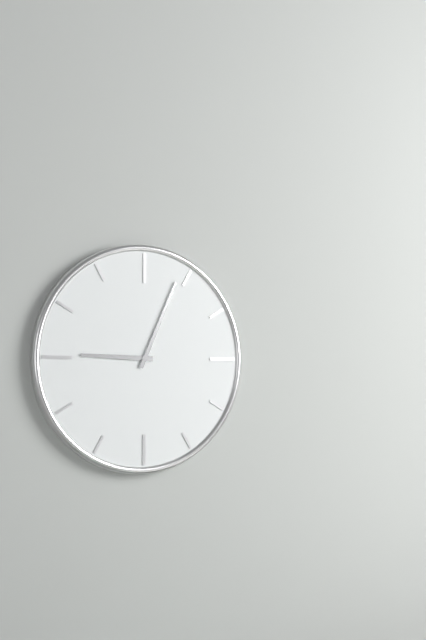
9 h 04 min
